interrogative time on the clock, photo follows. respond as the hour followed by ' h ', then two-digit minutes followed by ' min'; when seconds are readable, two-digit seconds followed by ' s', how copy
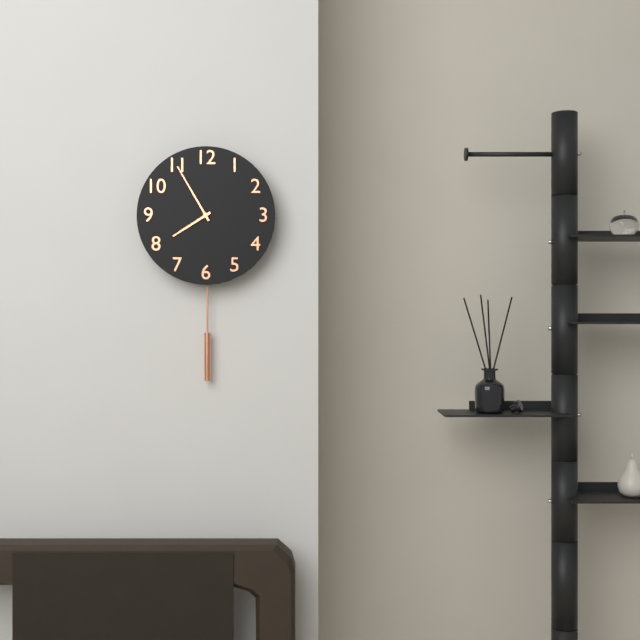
7 h 55 min
